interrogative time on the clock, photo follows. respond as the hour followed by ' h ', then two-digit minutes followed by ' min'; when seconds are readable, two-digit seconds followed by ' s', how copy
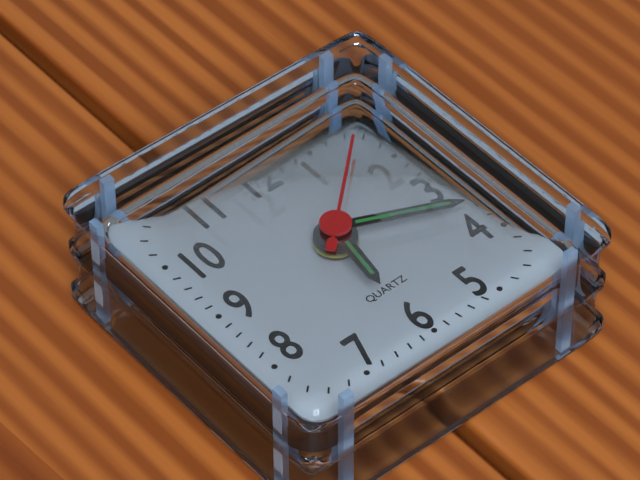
6 h 19 min 08 s
